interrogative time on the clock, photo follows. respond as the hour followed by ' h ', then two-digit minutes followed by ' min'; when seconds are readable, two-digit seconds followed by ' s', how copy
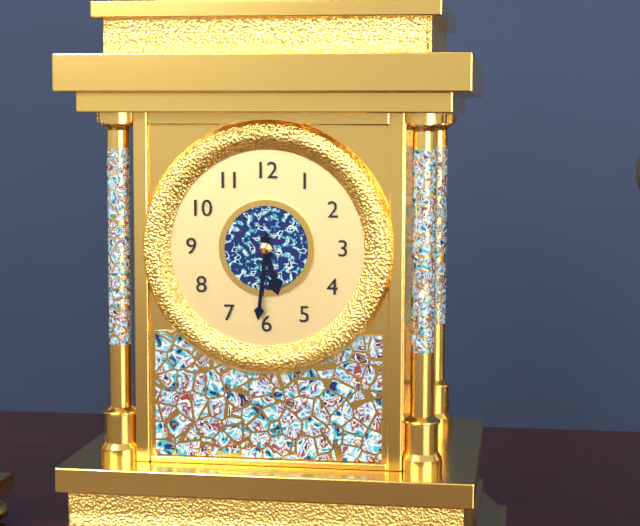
5 h 31 min
